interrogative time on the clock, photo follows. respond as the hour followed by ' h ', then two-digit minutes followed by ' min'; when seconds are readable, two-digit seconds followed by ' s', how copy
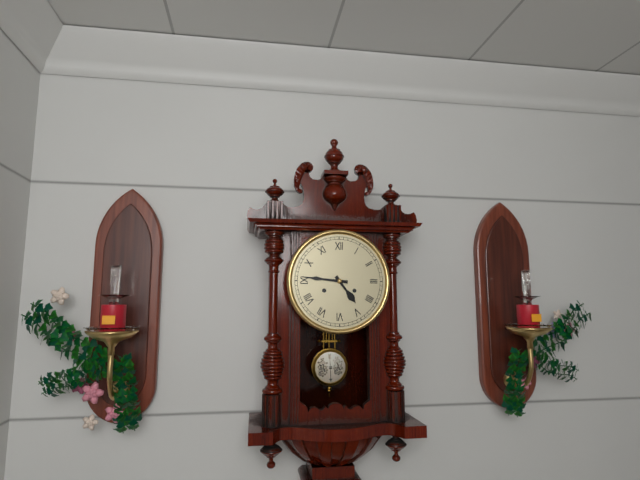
4 h 46 min
